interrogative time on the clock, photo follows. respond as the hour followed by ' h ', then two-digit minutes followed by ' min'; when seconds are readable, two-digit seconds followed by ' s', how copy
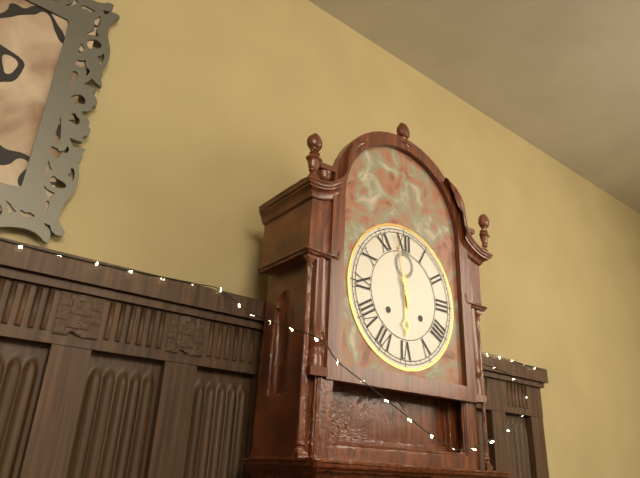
5 h 58 min
